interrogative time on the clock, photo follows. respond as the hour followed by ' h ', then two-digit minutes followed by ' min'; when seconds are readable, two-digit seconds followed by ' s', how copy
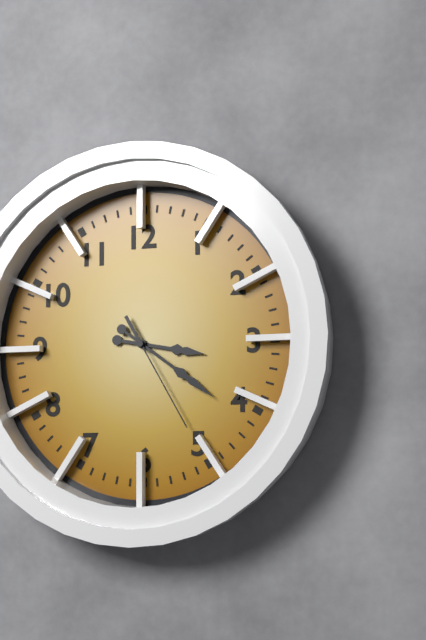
3 h 21 min 25 s
